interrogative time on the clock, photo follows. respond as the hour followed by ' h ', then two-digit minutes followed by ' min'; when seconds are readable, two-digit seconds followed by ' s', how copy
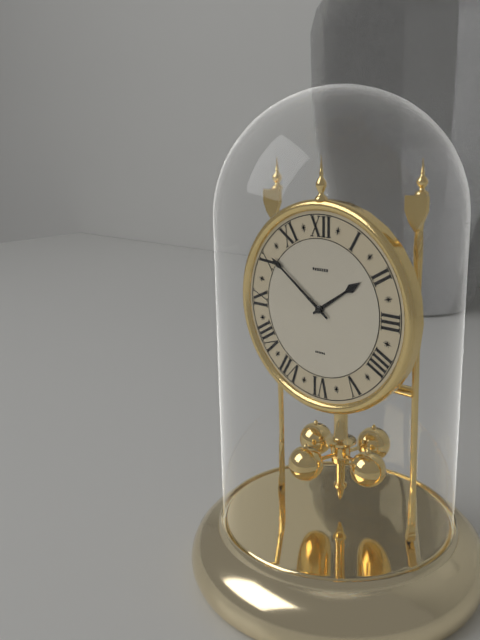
1 h 51 min
